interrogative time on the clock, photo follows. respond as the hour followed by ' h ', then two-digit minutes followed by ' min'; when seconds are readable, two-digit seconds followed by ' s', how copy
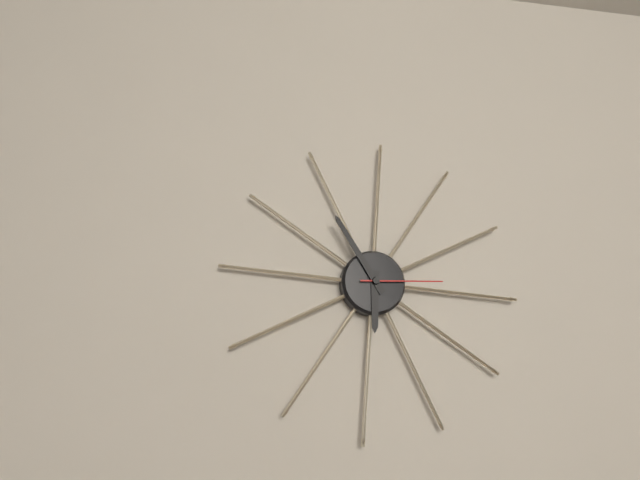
5 h 54 min 14 s
